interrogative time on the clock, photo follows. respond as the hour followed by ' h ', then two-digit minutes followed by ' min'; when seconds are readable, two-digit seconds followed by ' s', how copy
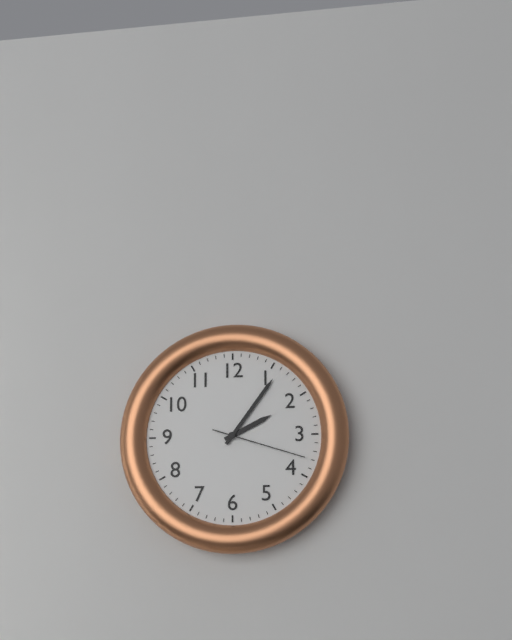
2 h 06 min 18 s
